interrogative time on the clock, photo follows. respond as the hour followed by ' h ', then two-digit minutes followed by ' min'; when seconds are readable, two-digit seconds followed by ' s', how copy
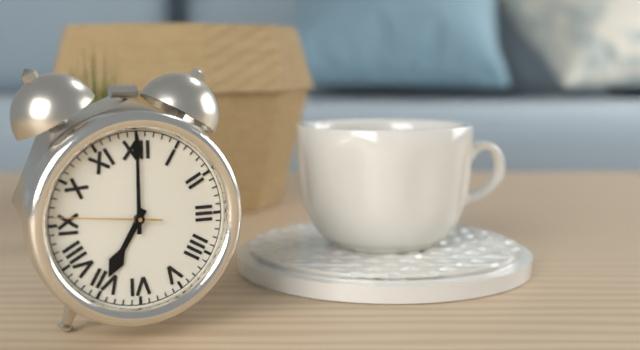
7 h 00 min 46 s
